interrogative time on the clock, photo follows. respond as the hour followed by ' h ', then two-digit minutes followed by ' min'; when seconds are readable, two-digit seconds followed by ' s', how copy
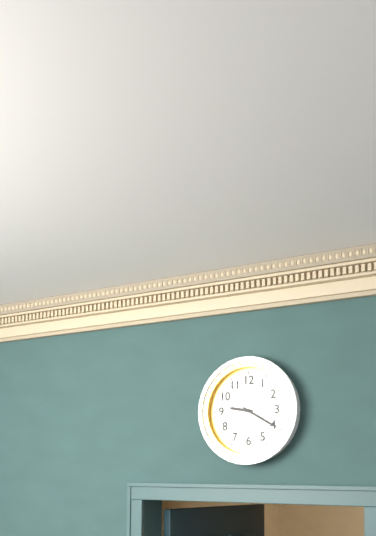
9 h 20 min
